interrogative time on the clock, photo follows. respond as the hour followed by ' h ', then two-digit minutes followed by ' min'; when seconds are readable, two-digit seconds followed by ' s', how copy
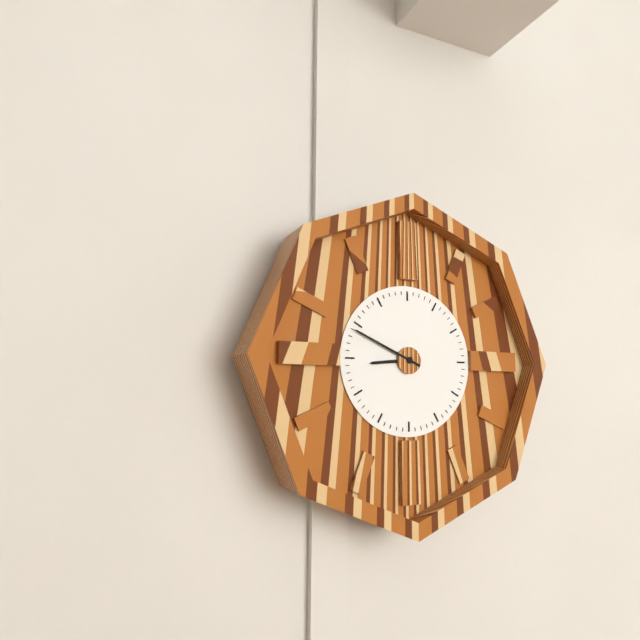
8 h 49 min
